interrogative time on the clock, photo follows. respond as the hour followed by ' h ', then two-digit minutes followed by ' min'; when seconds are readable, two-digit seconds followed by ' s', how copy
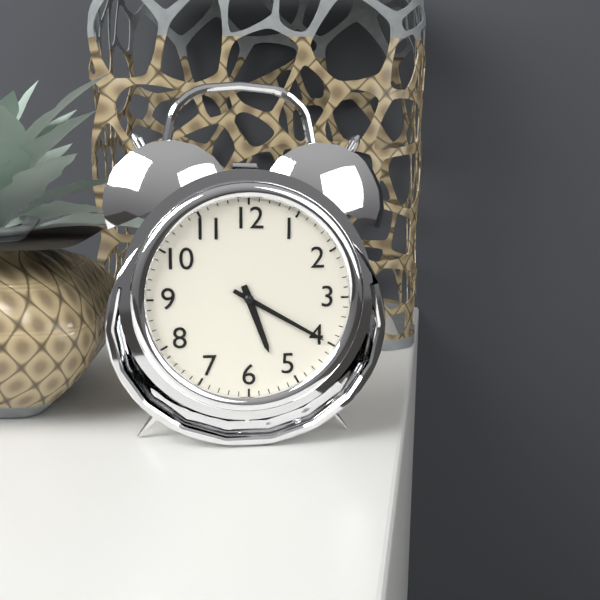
5 h 20 min
